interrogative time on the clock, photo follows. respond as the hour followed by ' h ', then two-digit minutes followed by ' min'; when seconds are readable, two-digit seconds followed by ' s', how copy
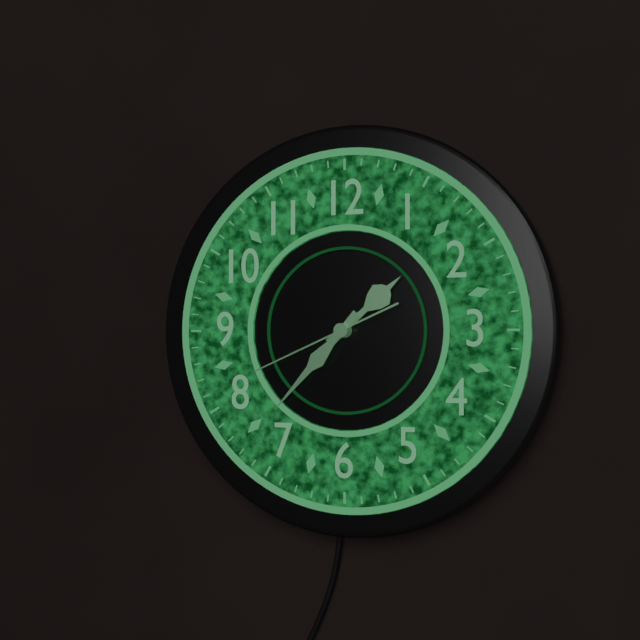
1 h 37 min 41 s
